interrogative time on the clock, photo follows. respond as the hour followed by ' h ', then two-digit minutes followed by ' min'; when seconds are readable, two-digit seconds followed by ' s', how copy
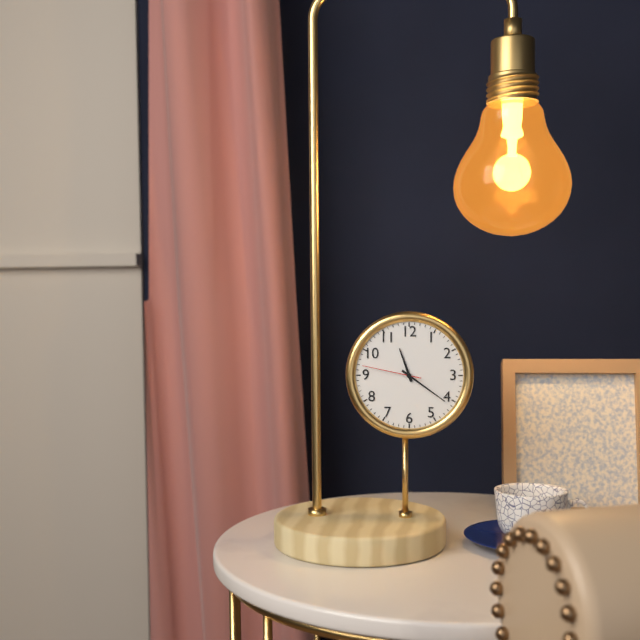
11 h 21 min 47 s
